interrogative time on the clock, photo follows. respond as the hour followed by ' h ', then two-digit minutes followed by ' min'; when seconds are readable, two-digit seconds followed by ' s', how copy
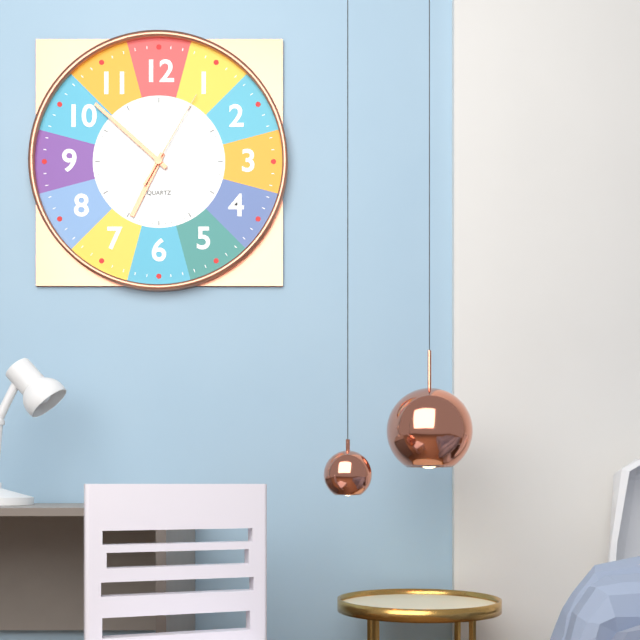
6 h 52 min 05 s
